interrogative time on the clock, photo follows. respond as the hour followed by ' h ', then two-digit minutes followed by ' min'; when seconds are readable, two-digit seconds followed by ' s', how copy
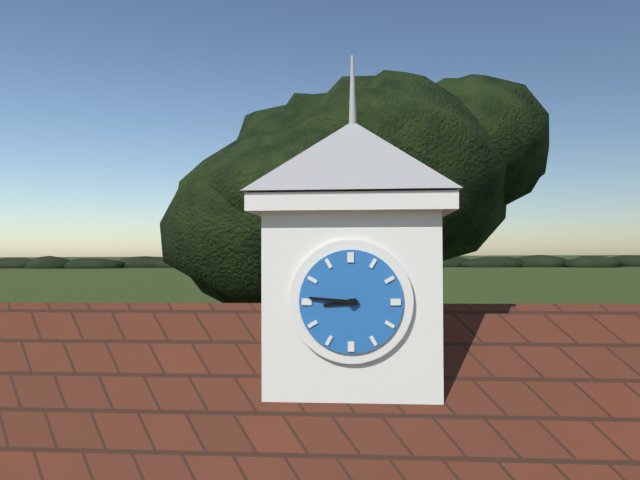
8 h 46 min
